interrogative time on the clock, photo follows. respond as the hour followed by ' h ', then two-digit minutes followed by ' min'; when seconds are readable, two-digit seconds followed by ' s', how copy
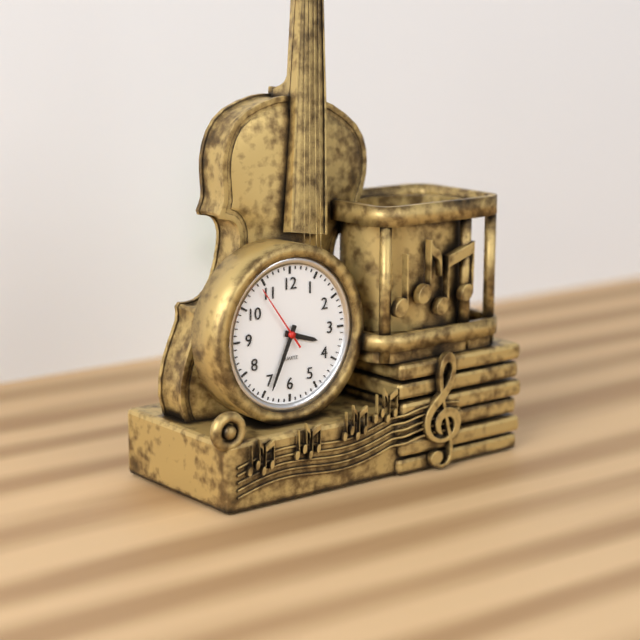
3 h 34 min 54 s
